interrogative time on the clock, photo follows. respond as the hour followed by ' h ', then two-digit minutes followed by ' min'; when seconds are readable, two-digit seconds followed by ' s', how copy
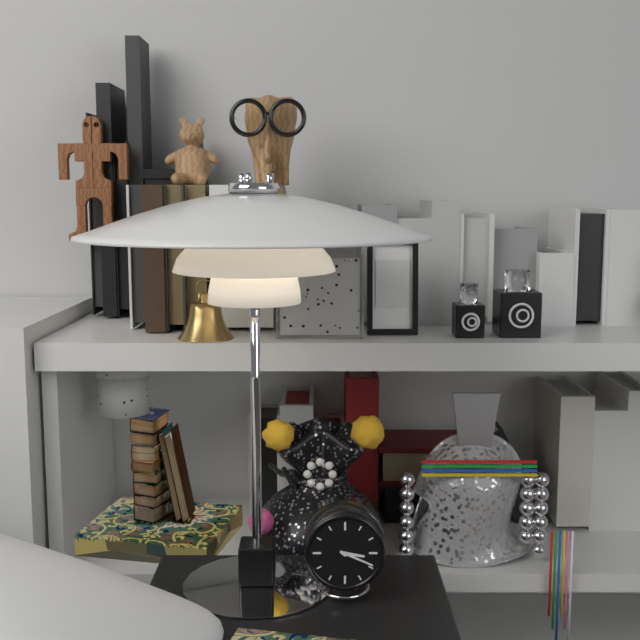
3 h 19 min
